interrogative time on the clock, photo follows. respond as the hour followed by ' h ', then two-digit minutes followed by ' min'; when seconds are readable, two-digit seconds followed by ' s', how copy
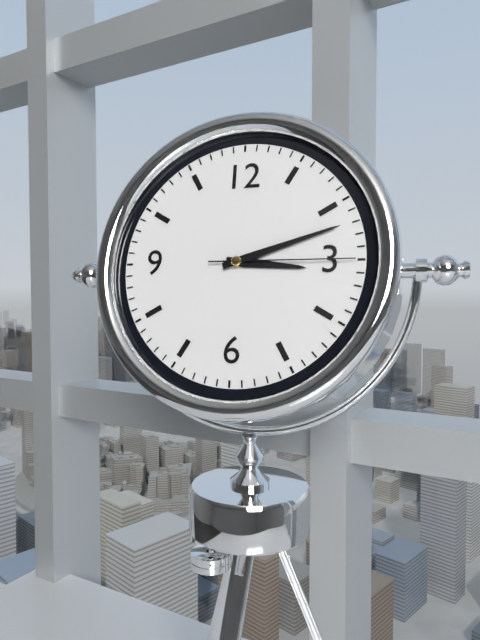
3 h 12 min 15 s
